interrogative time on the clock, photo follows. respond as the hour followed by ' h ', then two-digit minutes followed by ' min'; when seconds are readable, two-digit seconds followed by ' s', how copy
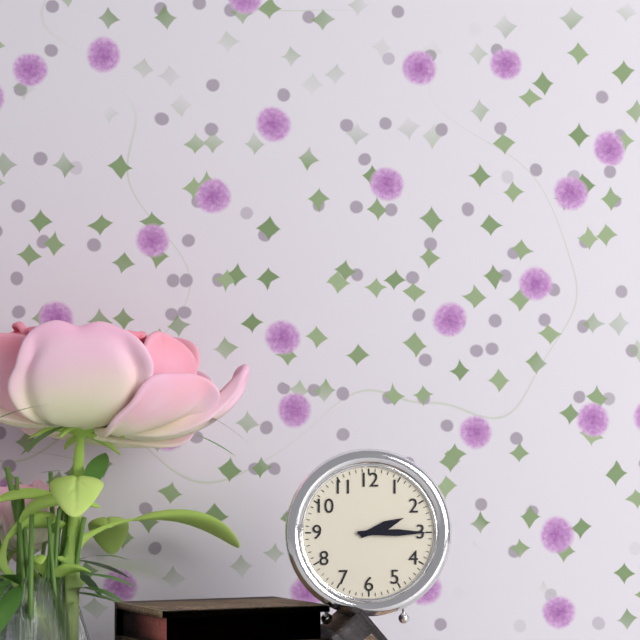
2 h 15 min
